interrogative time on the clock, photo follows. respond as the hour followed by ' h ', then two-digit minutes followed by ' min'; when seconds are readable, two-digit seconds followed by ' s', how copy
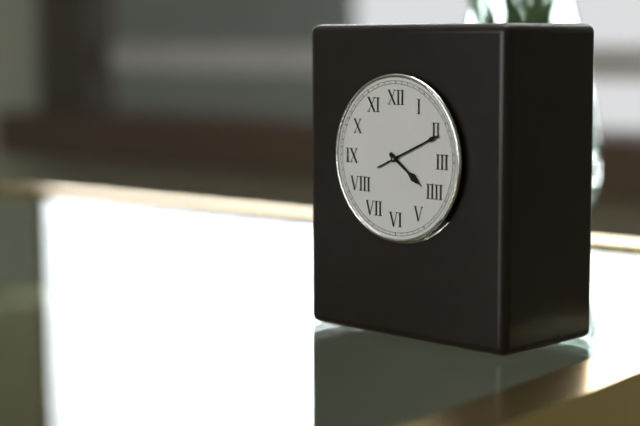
4 h 11 min
